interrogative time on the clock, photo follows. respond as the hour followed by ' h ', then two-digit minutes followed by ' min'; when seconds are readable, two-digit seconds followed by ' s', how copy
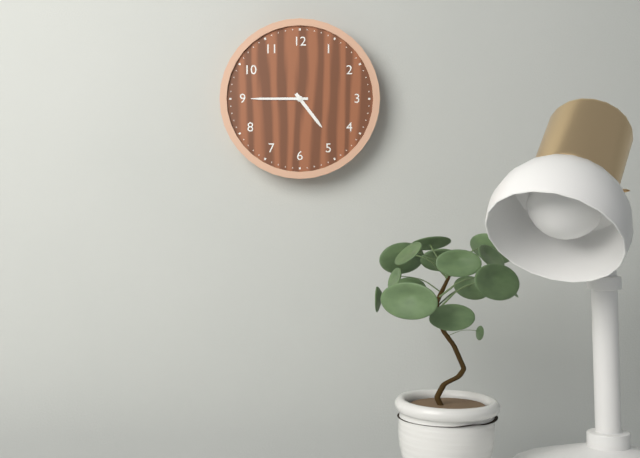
4 h 45 min
